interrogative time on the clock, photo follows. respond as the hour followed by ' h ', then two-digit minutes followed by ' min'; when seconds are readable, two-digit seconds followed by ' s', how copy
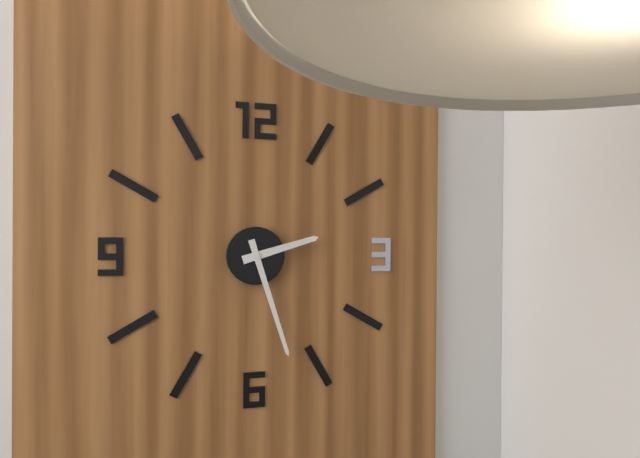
2 h 27 min
